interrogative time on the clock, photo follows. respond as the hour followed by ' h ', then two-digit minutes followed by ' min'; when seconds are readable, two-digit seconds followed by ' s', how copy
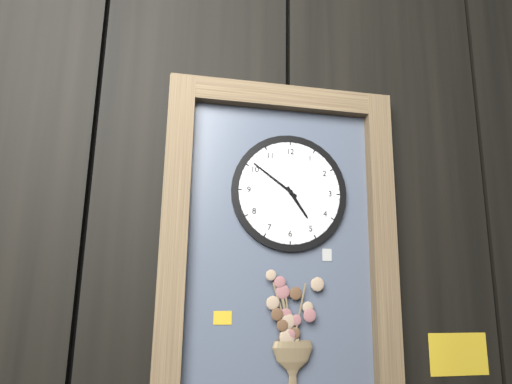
4 h 51 min
